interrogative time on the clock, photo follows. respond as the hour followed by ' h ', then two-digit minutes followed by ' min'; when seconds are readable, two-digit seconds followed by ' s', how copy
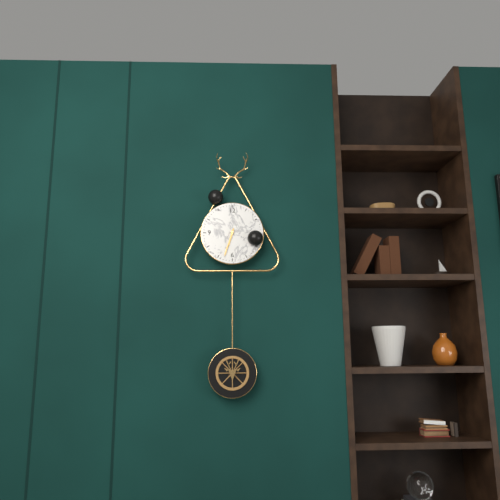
6 h 33 min
